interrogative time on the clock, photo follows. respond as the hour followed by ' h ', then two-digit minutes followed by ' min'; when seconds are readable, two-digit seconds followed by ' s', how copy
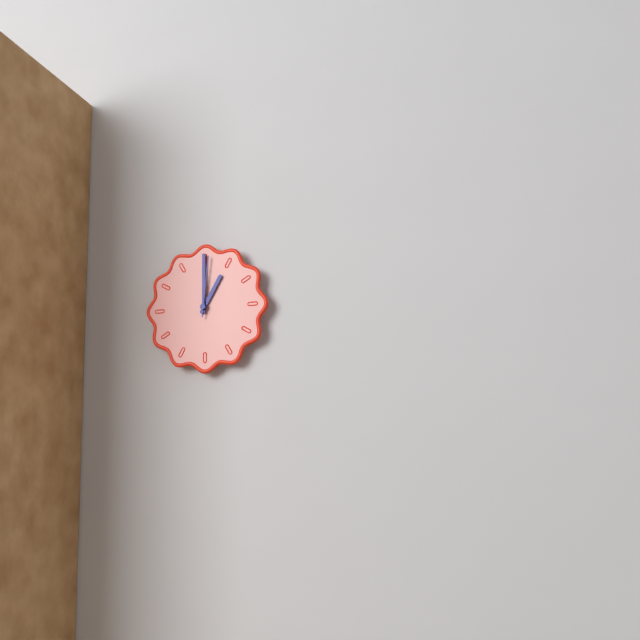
1 h 00 min 01 s
